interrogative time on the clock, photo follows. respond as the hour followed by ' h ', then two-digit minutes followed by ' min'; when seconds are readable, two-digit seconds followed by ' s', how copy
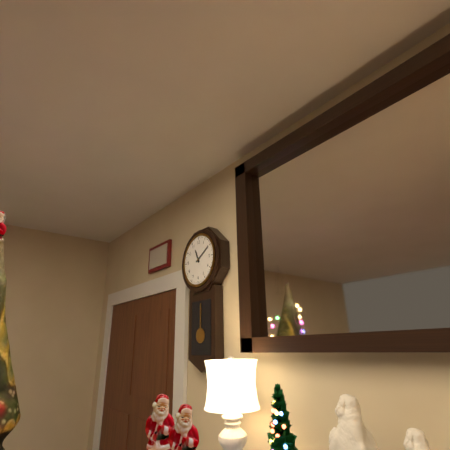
11 h 10 min
